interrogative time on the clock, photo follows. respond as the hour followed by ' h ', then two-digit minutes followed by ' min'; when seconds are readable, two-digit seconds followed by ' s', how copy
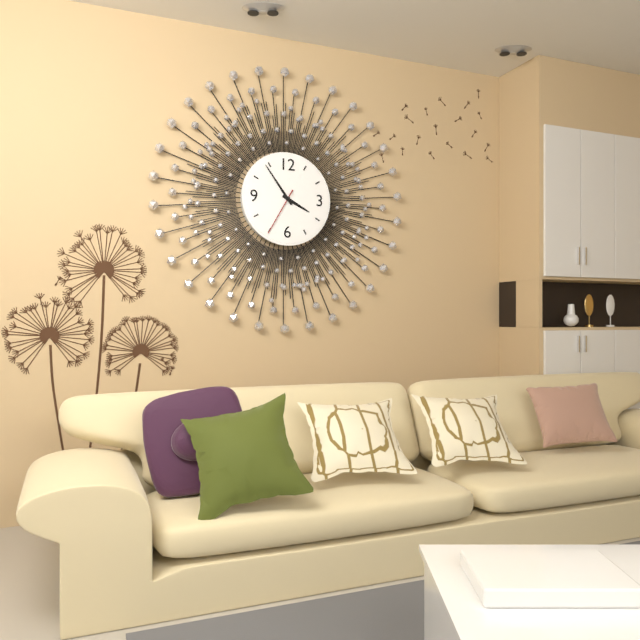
3 h 54 min
